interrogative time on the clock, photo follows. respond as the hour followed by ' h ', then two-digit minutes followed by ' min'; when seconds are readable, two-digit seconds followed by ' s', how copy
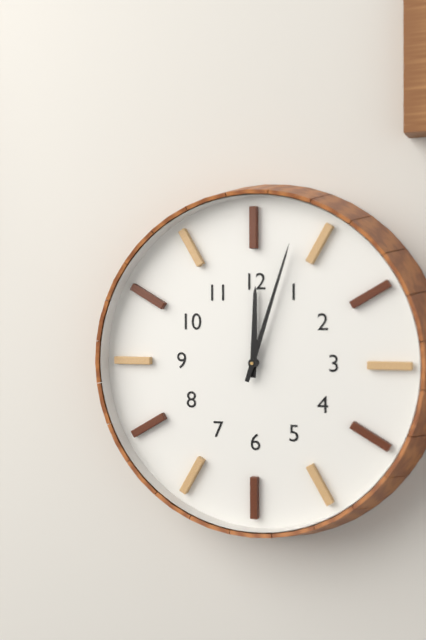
12 h 03 min
